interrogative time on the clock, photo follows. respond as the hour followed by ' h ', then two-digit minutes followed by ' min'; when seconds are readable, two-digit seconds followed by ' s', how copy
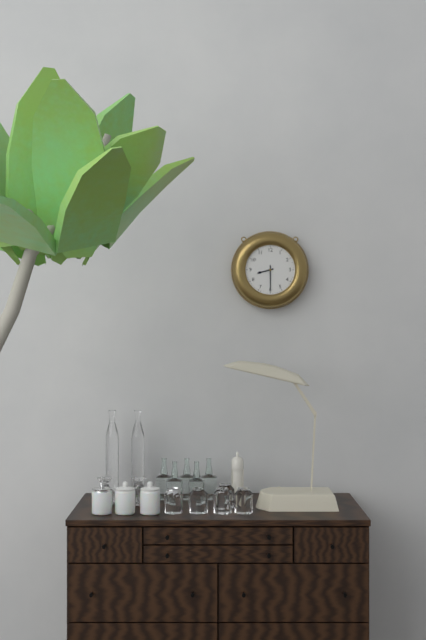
8 h 30 min
